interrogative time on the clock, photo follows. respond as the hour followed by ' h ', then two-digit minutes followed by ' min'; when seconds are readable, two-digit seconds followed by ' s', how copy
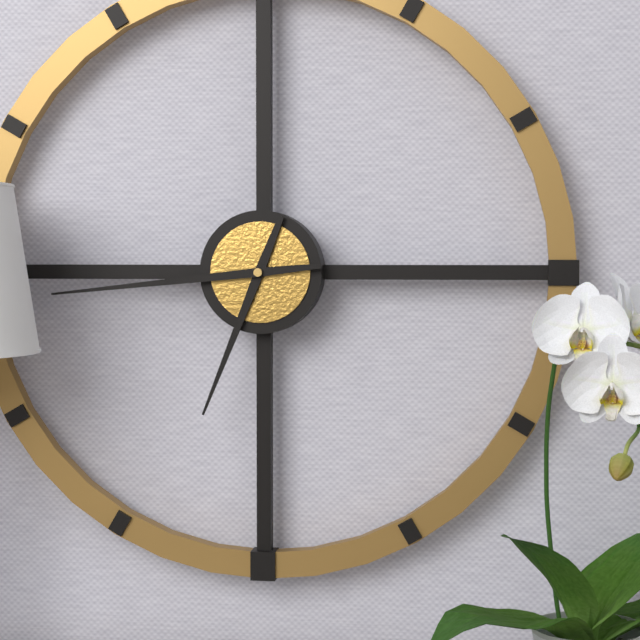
6 h 44 min
